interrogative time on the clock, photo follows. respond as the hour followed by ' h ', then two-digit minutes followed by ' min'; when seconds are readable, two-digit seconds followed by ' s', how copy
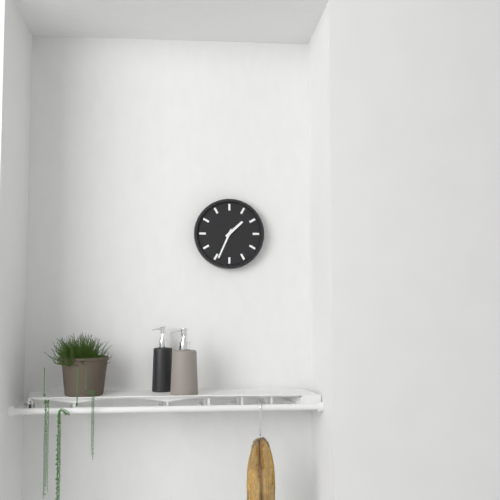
1 h 34 min
